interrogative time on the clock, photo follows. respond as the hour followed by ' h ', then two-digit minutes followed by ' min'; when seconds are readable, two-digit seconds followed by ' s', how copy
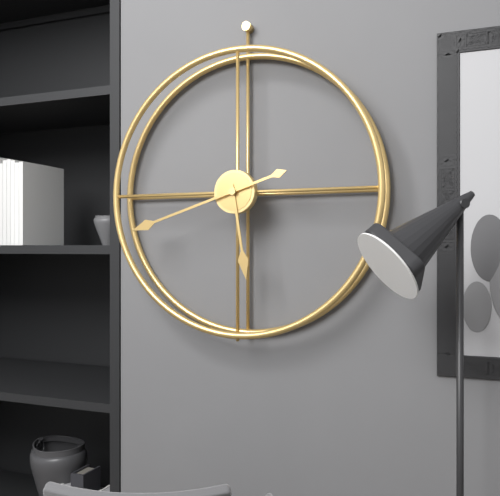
5 h 42 min
